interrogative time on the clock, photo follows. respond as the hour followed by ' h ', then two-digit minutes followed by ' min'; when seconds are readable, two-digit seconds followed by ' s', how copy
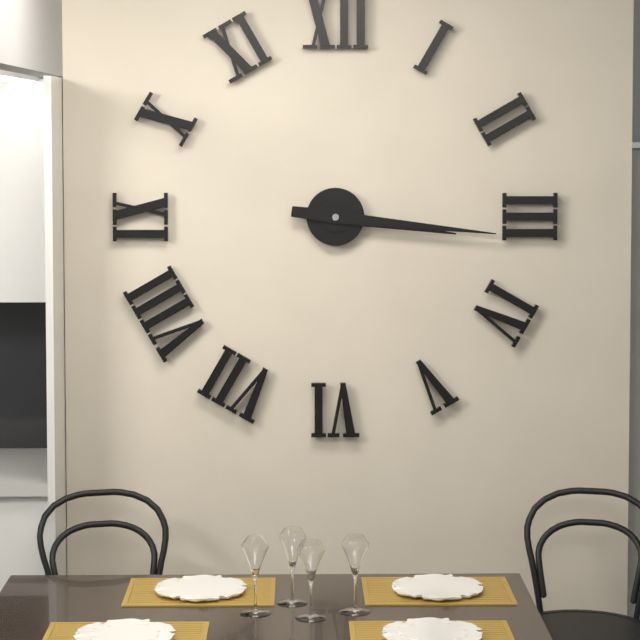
3 h 16 min
